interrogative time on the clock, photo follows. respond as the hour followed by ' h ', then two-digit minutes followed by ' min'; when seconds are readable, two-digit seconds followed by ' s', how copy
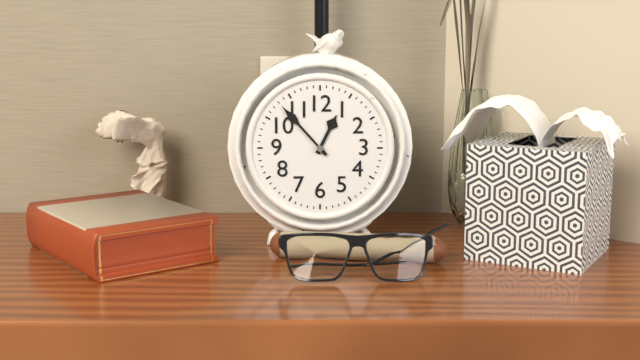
12 h 53 min
